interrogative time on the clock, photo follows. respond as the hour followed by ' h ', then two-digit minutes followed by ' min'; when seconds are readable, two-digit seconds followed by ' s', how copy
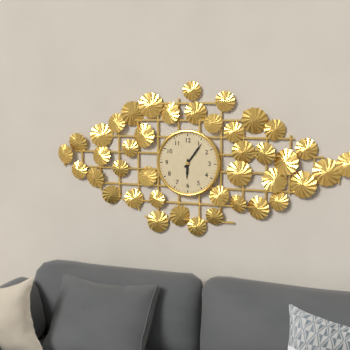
6 h 06 min
